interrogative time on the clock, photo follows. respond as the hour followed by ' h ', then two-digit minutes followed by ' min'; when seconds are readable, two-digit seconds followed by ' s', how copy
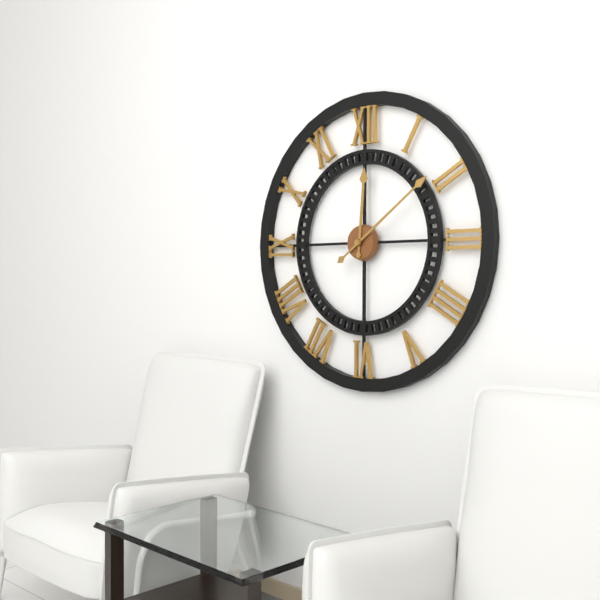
12 h 09 min
